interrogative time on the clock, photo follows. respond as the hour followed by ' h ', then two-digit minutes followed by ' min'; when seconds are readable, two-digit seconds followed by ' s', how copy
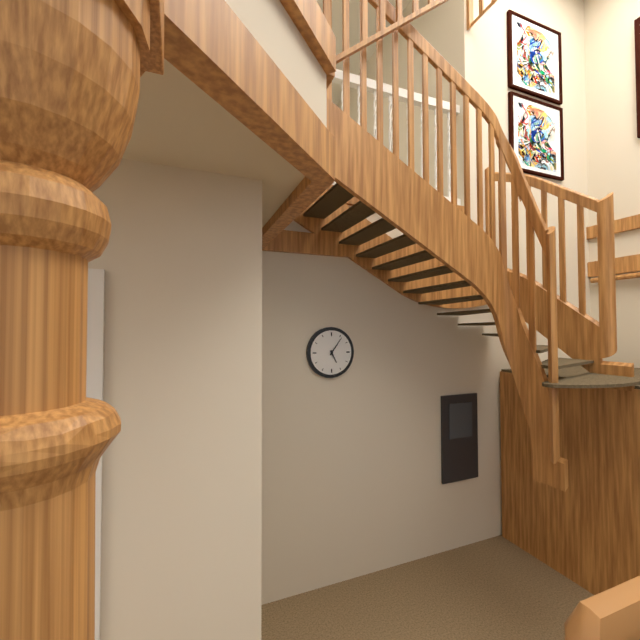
5 h 06 min
